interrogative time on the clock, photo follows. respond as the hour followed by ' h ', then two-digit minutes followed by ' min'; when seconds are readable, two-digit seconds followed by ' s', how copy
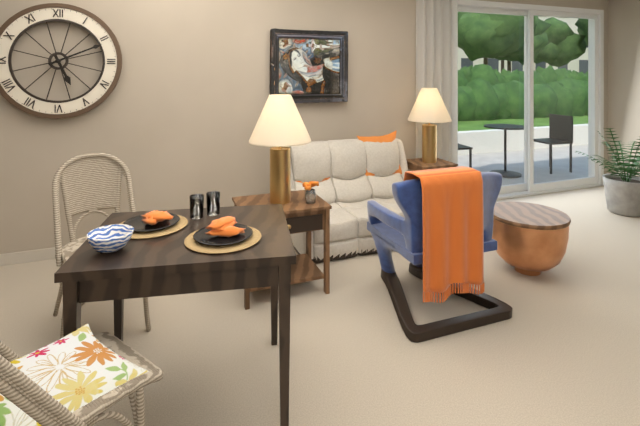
5 h 11 min
